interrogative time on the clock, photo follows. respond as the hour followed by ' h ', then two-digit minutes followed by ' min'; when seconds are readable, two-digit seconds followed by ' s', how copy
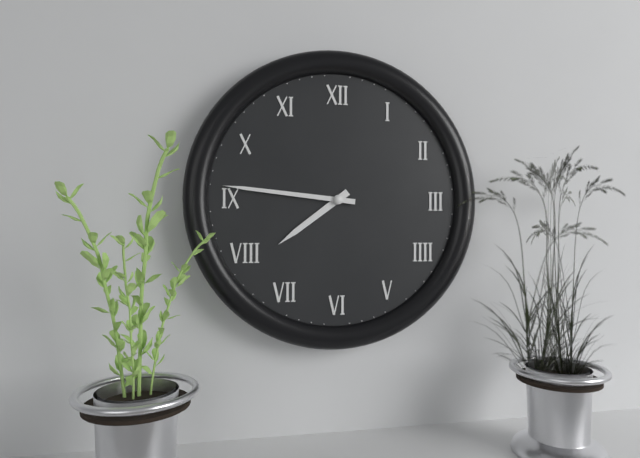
7 h 46 min
